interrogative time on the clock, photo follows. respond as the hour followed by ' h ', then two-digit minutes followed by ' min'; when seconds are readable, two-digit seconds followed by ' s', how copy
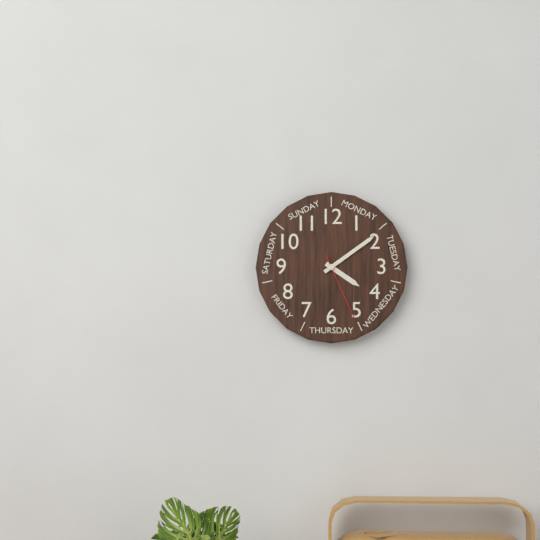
4 h 09 min 26 s
